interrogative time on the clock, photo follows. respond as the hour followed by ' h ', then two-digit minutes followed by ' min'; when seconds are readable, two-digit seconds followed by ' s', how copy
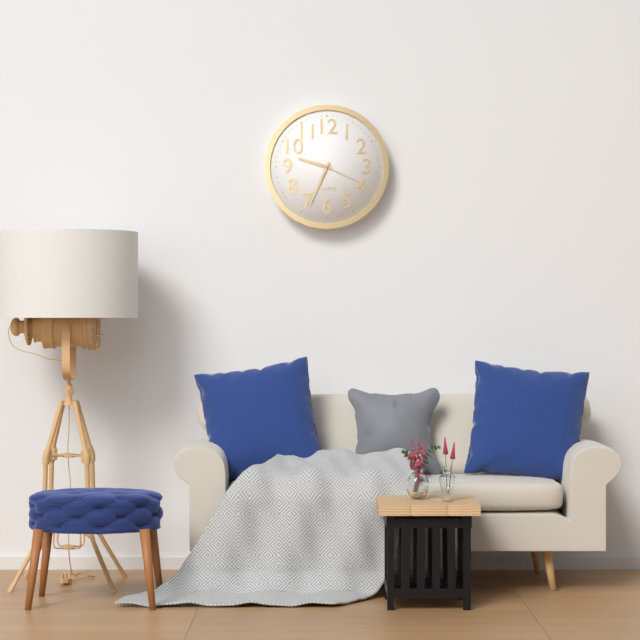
9 h 34 min
